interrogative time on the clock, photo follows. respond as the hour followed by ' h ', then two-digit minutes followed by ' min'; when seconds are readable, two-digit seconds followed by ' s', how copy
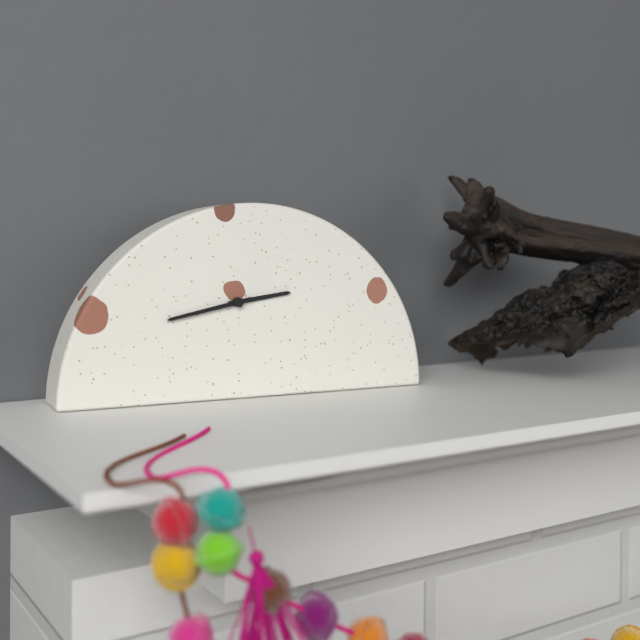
2 h 43 min
